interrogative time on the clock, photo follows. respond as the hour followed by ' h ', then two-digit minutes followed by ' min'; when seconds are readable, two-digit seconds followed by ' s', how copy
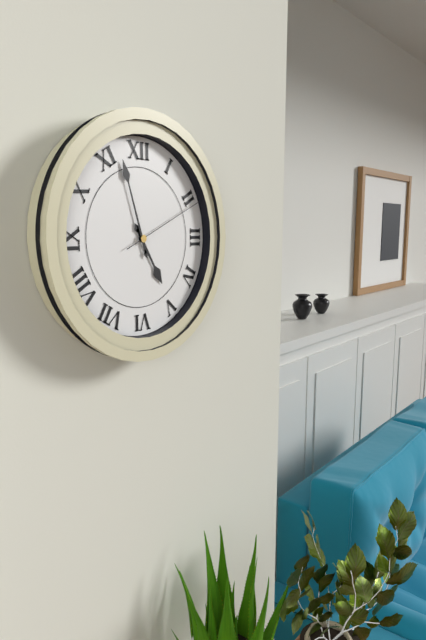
4 h 57 min 11 s
